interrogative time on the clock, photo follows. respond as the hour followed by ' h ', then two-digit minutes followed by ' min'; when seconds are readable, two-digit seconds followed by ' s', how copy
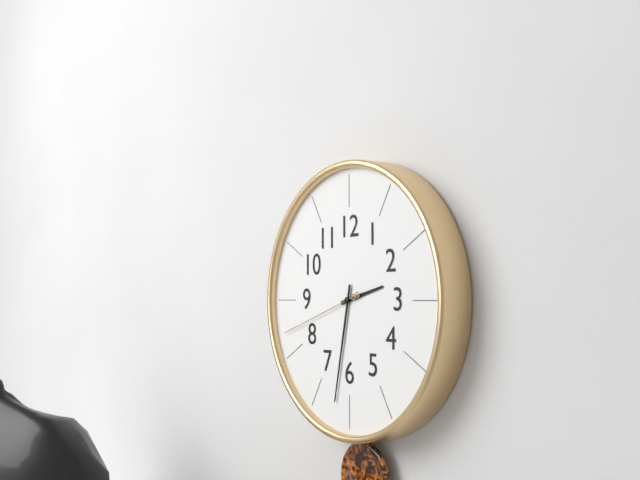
2 h 32 min 42 s
